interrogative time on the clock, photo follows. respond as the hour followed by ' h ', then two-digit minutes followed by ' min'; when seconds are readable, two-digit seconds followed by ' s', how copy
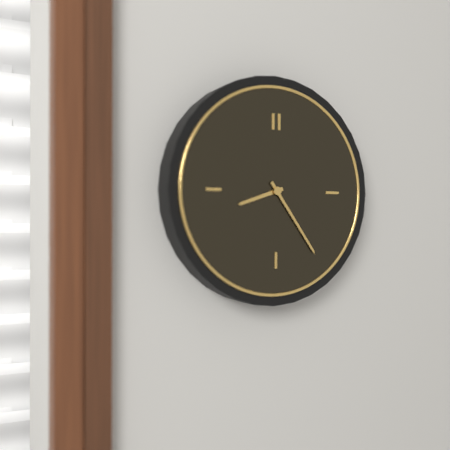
8 h 24 min
